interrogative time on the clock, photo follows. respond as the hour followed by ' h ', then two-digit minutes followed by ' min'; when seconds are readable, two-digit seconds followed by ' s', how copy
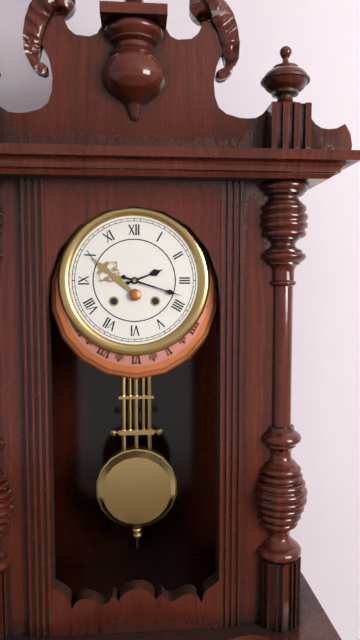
2 h 18 min
